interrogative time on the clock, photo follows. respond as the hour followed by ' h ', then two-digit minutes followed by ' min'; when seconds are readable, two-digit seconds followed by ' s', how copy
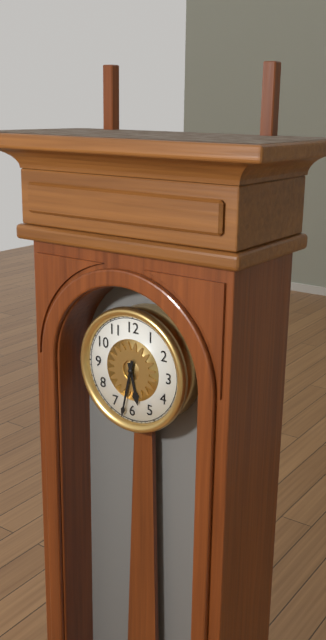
5 h 32 min
